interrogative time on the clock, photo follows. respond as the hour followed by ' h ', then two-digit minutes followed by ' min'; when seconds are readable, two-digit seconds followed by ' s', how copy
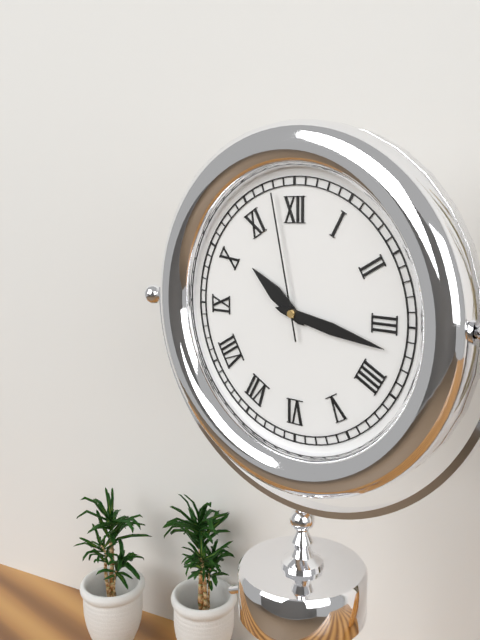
10 h 17 min 58 s
